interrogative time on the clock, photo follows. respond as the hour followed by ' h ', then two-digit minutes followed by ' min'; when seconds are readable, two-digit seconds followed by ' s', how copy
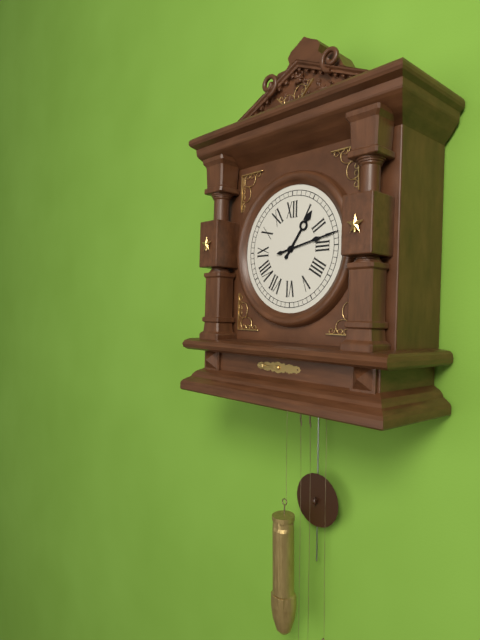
1 h 13 min
